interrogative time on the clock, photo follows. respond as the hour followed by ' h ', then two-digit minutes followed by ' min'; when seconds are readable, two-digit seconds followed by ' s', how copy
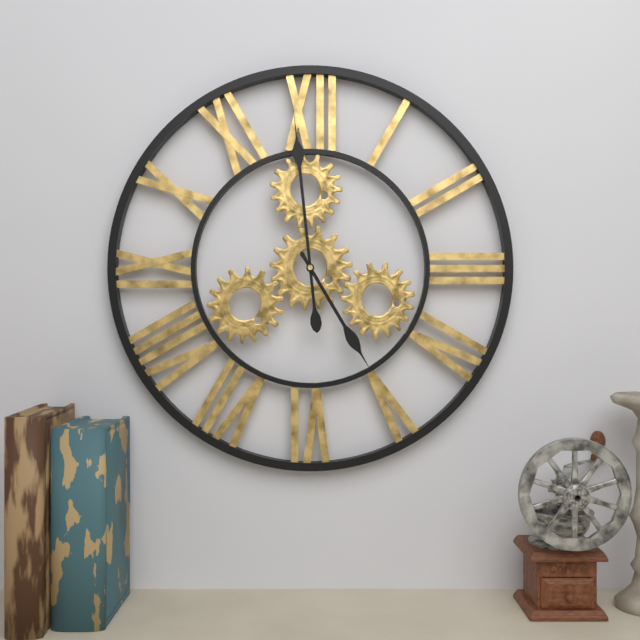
4 h 59 min
